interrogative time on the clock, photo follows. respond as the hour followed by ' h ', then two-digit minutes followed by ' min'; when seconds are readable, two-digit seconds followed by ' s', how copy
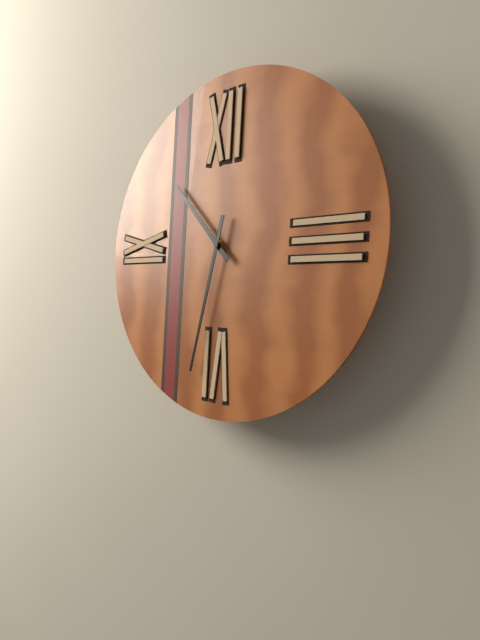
10 h 32 min
